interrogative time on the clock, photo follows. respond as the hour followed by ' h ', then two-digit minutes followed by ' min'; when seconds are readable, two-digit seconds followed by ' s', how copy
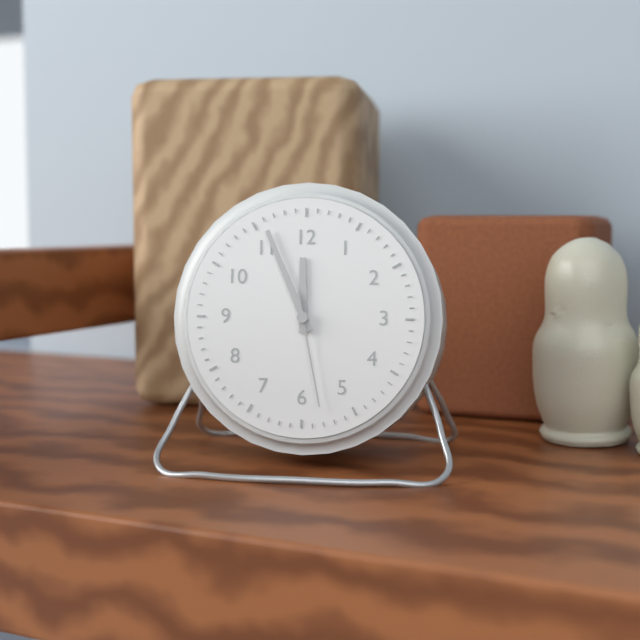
11 h 56 min 28 s
